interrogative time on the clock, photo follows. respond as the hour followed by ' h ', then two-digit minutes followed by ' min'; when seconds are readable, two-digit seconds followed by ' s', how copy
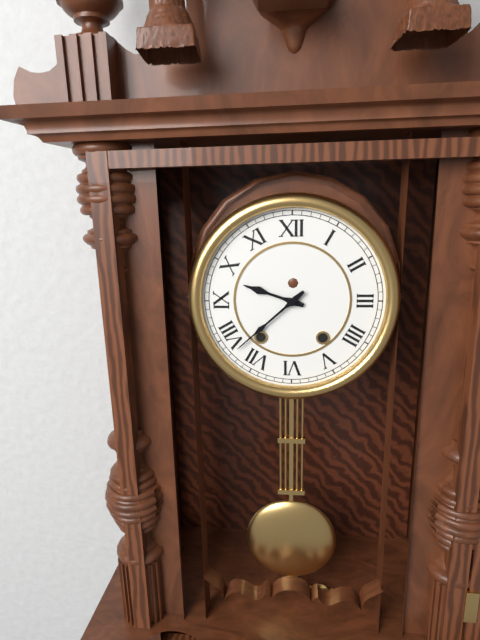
9 h 38 min
